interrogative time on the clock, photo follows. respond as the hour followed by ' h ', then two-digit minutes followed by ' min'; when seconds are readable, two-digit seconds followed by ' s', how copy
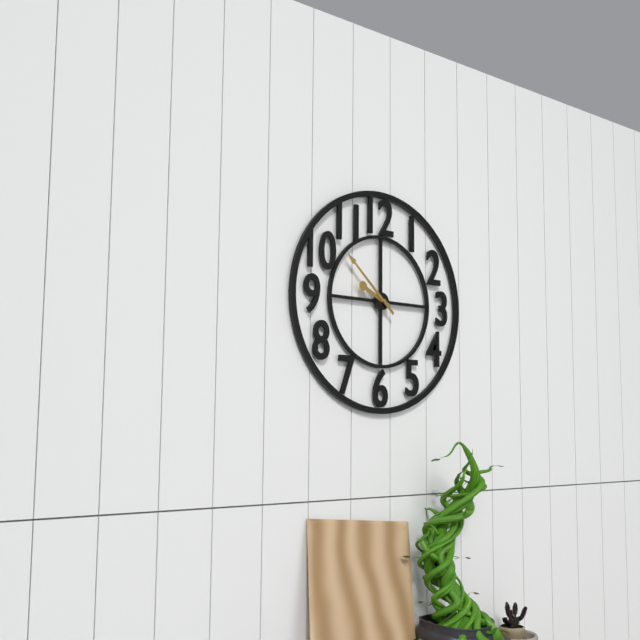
9 h 52 min
